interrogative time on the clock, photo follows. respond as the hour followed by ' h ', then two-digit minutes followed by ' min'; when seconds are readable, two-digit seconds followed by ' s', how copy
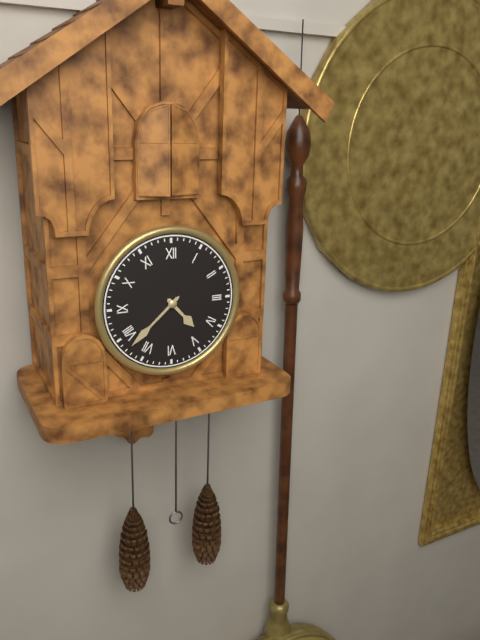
4 h 38 min
